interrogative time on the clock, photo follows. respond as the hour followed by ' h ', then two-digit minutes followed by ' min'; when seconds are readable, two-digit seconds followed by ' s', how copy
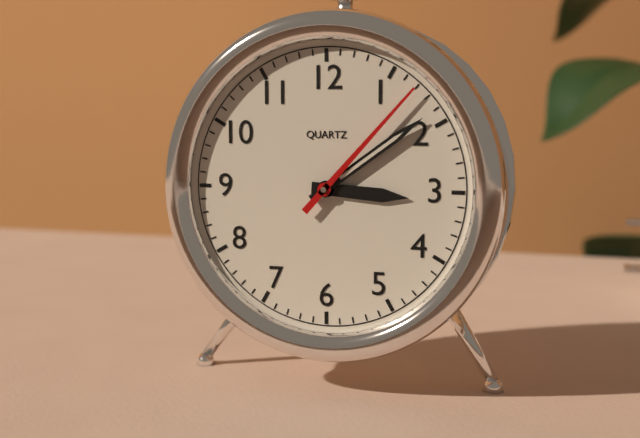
3 h 09 min 07 s
